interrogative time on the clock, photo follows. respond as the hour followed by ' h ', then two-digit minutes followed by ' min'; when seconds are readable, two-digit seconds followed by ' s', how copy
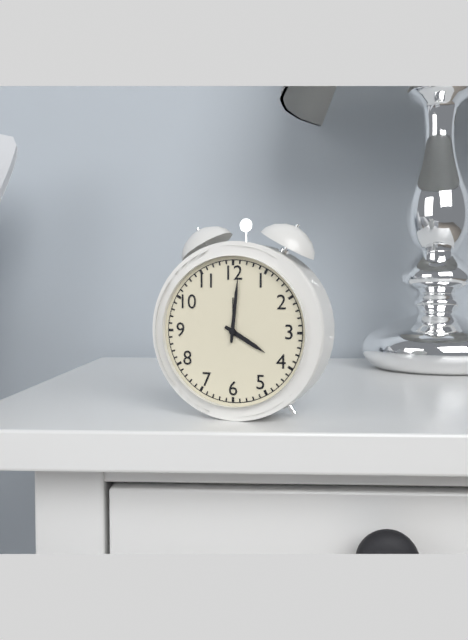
4 h 01 min
